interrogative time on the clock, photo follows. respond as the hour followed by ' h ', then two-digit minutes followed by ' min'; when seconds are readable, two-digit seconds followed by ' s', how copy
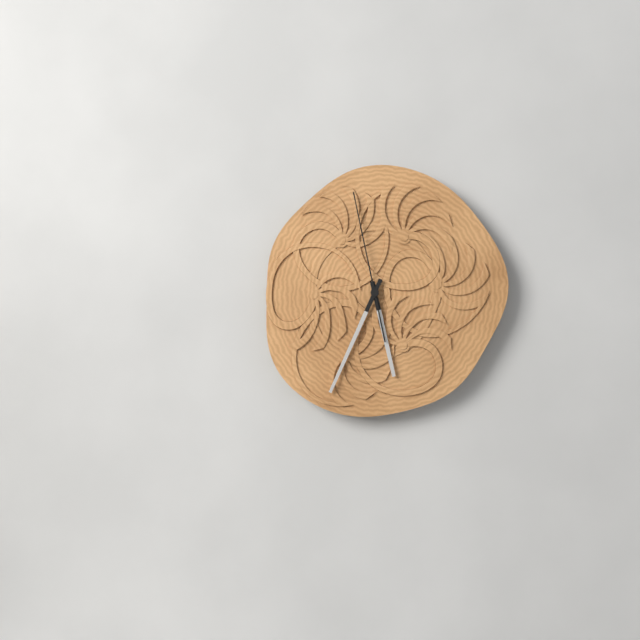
5 h 34 min 58 s
